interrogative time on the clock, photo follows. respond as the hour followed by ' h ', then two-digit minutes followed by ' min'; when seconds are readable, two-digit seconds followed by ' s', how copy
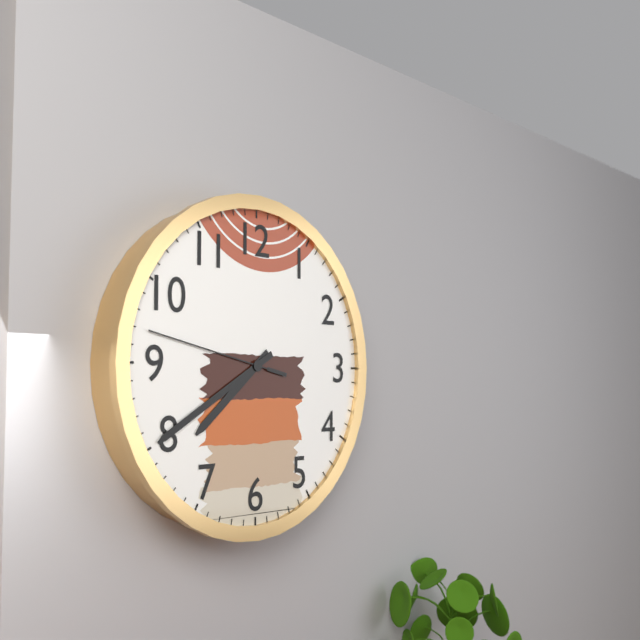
7 h 40 min 47 s
